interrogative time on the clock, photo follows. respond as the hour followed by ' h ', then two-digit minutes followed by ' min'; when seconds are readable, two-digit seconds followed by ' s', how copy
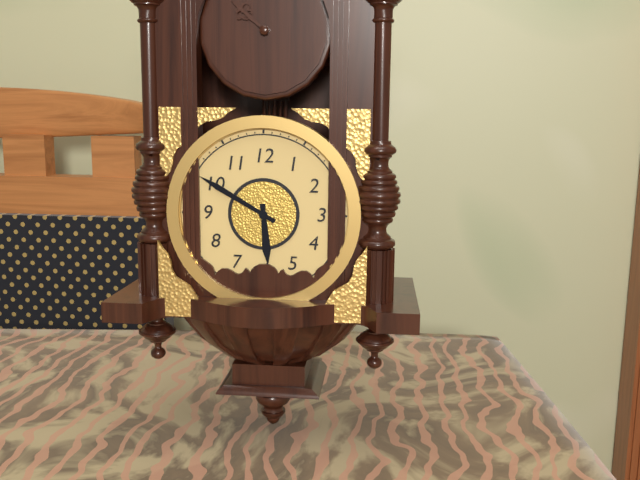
5 h 50 min
